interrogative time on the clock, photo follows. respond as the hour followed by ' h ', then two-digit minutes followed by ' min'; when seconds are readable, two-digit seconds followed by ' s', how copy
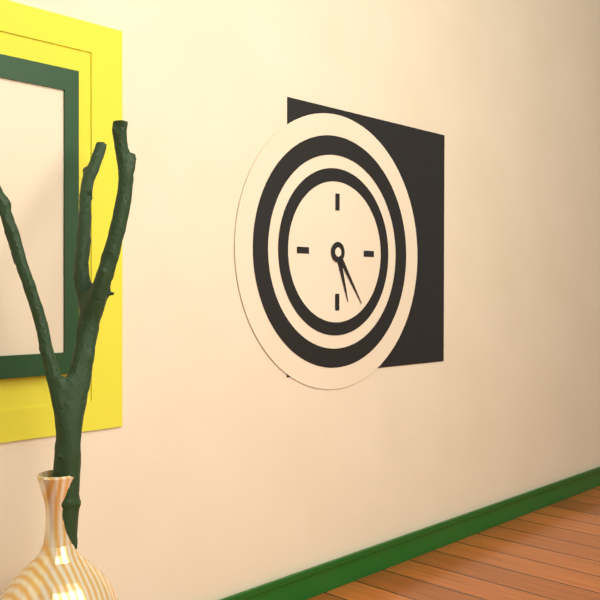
5 h 24 min
